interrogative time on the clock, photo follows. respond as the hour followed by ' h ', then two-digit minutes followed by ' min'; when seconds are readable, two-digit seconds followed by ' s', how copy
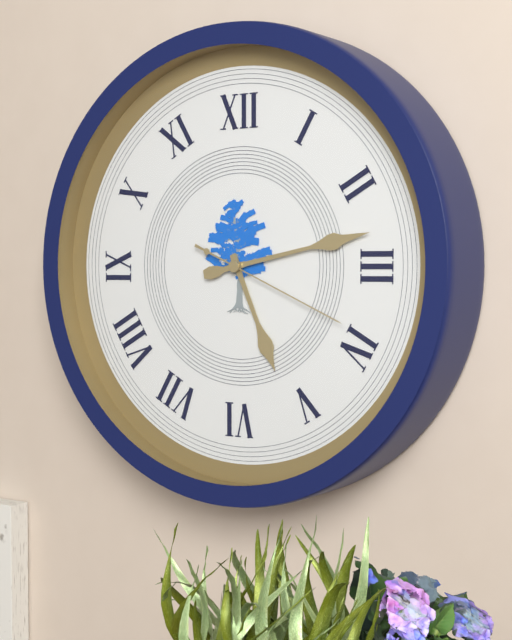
5 h 13 min 19 s
